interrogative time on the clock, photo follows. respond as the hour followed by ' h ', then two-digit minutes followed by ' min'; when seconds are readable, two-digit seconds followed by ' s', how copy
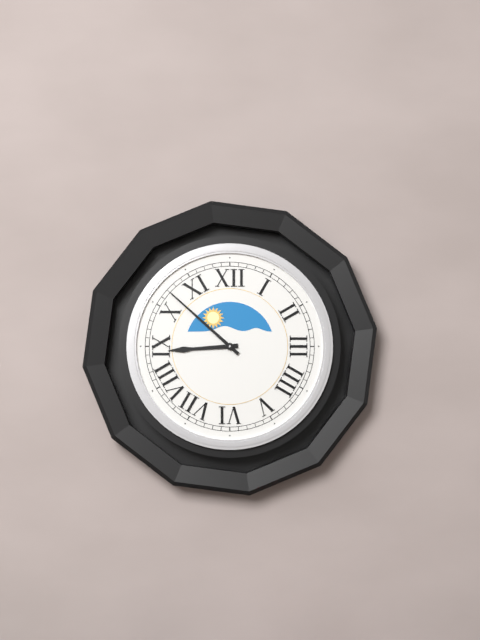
8 h 52 min
